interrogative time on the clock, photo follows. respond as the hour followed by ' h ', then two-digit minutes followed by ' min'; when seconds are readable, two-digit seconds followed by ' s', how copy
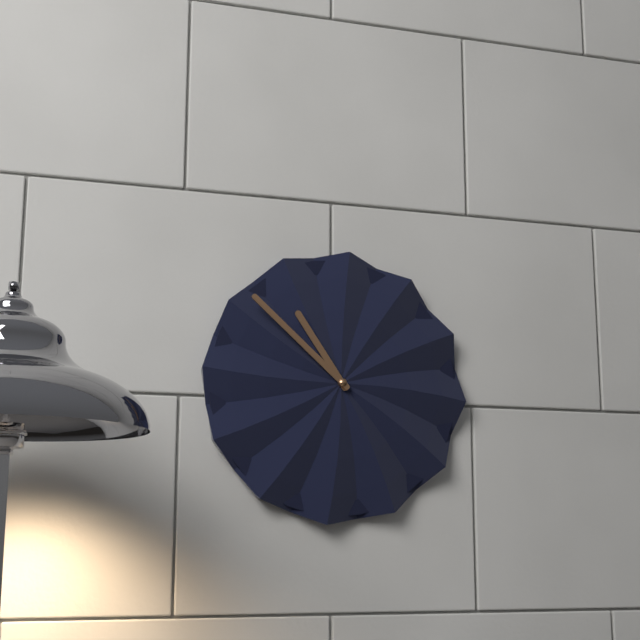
10 h 52 min
